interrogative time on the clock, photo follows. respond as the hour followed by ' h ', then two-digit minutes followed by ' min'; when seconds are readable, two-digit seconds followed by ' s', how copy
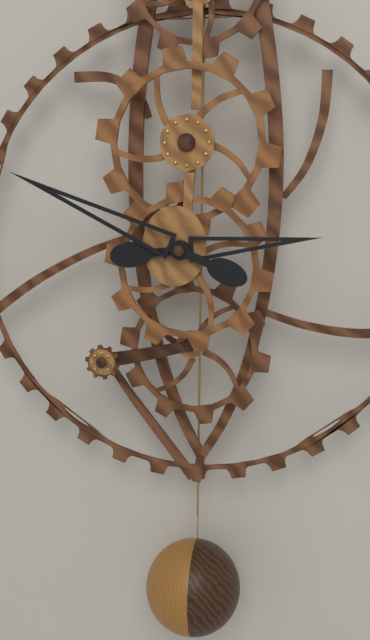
2 h 49 min
